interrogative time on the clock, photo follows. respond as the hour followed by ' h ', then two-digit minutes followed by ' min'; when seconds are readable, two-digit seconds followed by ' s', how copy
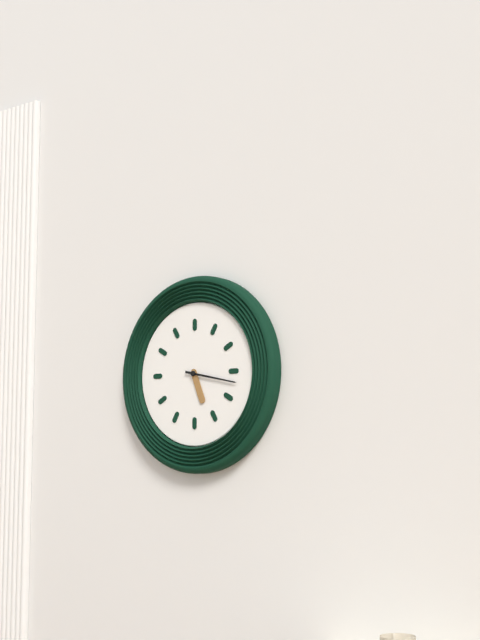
5 h 17 min
